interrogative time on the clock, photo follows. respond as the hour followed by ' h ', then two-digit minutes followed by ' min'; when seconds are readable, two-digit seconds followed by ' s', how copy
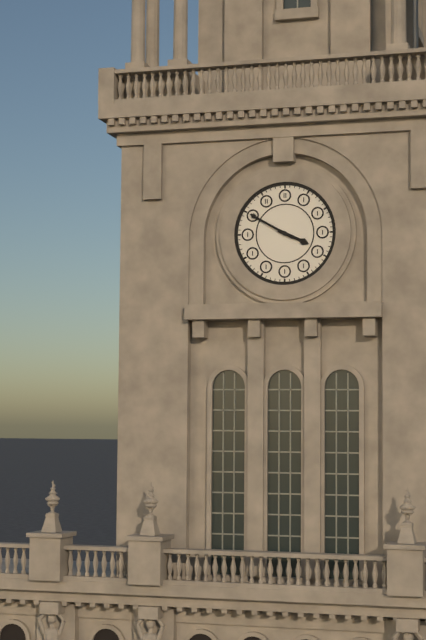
3 h 50 min
